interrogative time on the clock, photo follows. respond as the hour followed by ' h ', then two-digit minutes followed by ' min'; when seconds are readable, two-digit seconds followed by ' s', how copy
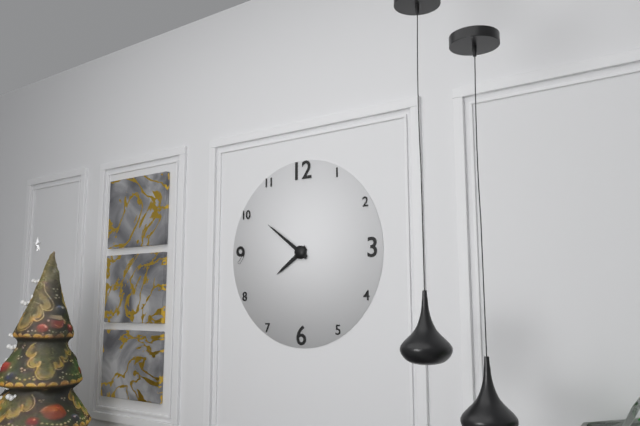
7 h 51 min
